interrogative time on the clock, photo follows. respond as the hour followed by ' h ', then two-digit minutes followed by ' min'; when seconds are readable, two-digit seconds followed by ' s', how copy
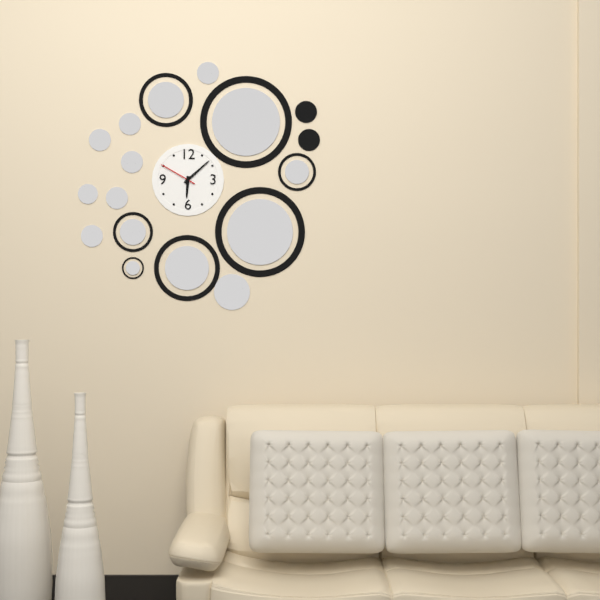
6 h 08 min
